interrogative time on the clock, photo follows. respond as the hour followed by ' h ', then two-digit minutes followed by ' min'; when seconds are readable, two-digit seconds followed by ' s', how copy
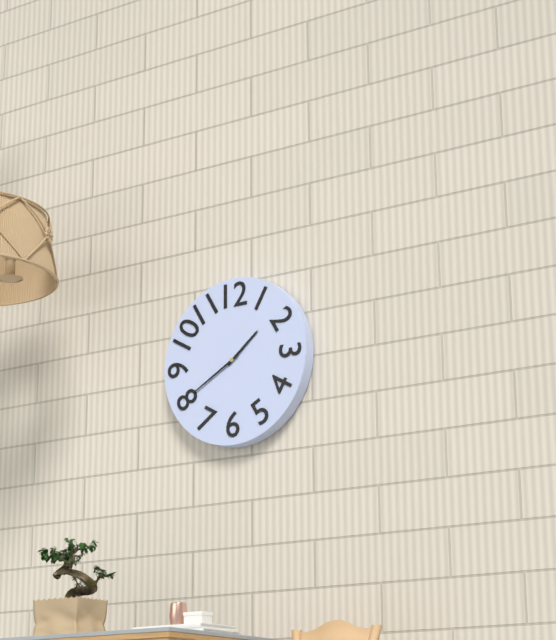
1 h 40 min
